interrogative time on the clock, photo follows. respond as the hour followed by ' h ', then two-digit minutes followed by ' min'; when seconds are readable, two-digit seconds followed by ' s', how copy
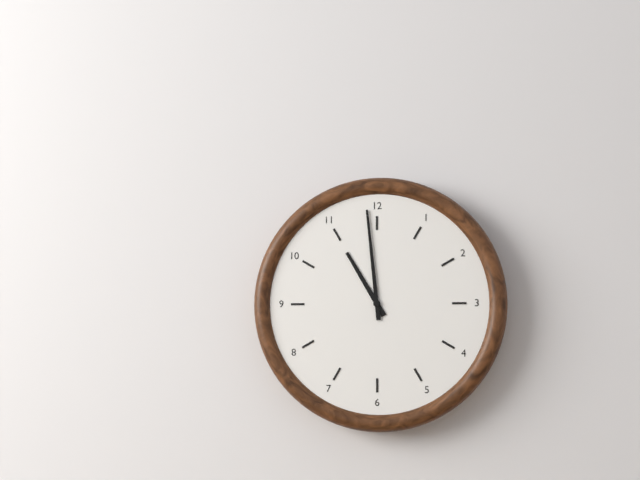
10 h 59 min
